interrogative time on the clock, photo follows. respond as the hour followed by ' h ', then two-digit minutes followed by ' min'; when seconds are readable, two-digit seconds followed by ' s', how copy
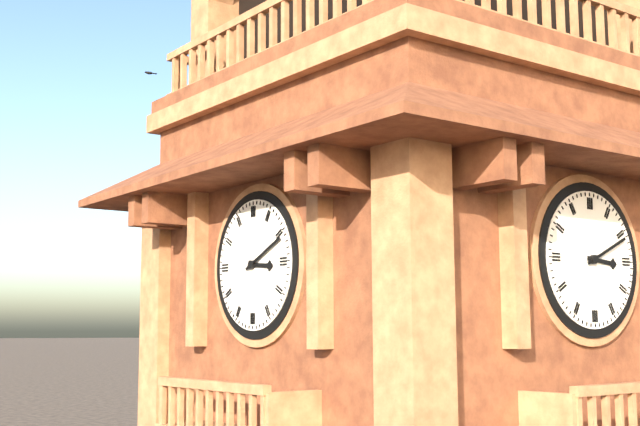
3 h 11 min
